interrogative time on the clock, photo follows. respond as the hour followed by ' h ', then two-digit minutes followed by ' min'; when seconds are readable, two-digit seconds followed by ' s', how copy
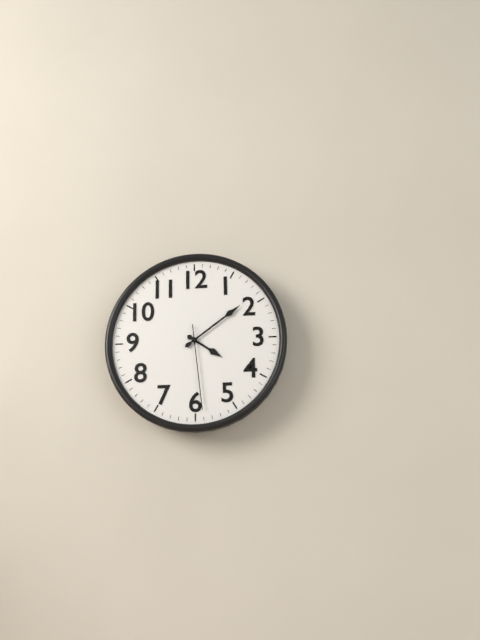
4 h 09 min 29 s
